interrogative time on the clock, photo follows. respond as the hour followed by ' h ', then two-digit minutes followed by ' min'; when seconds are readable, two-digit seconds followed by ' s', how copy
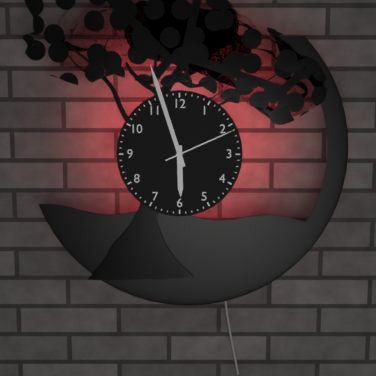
5 h 57 min 11 s
